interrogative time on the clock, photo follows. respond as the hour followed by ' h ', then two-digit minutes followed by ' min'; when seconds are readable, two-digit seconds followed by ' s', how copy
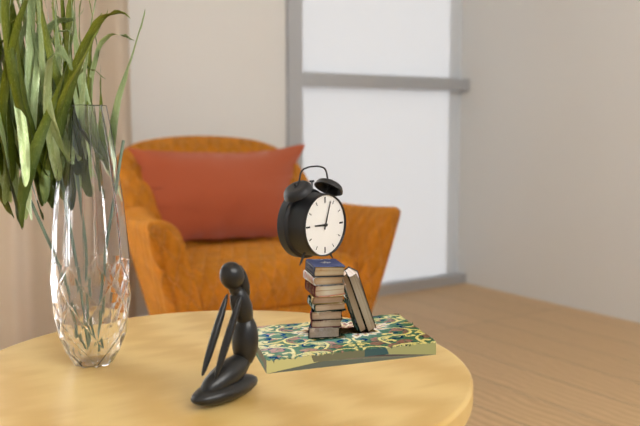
9 h 03 min
